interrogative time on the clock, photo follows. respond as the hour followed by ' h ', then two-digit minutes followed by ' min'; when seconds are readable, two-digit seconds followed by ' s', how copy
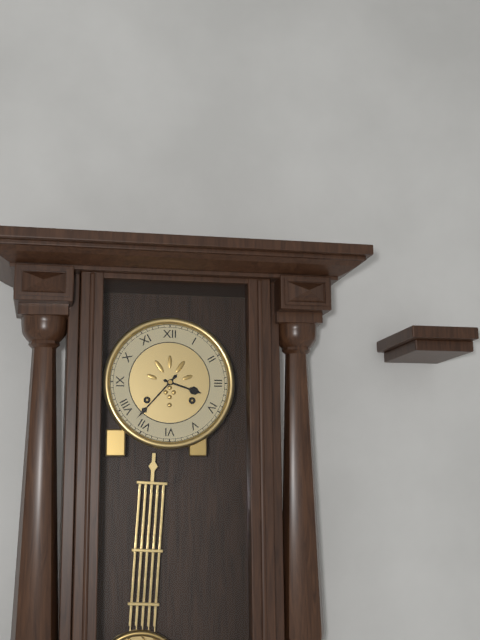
3 h 37 min
